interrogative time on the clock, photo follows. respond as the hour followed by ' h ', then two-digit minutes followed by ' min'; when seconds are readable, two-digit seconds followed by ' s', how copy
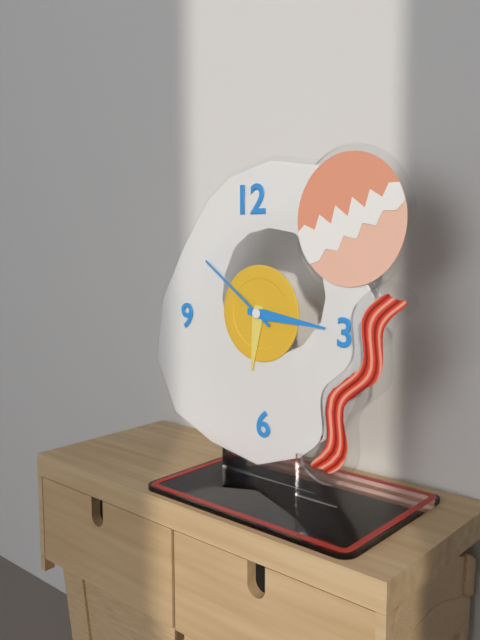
6 h 16 min 51 s
